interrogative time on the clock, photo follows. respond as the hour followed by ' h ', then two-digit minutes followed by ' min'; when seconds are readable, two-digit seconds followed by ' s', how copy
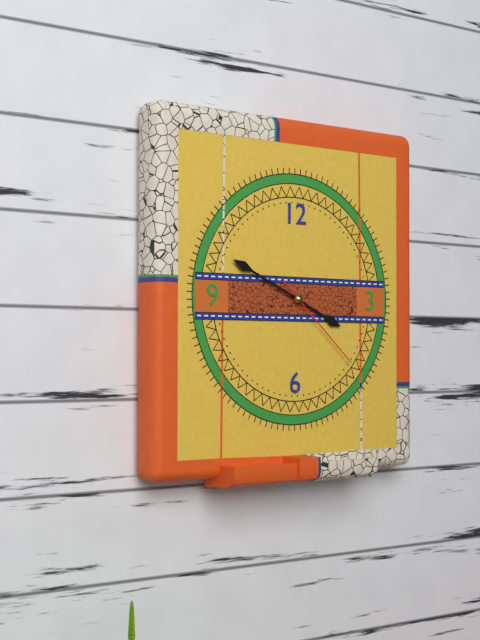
3 h 49 min 22 s
